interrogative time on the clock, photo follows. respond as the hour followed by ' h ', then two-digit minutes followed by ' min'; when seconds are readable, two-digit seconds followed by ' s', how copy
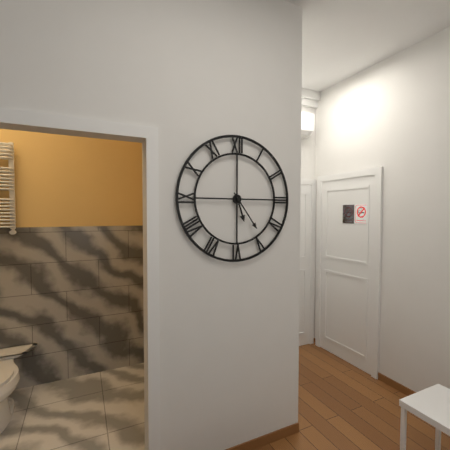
5 h 24 min
